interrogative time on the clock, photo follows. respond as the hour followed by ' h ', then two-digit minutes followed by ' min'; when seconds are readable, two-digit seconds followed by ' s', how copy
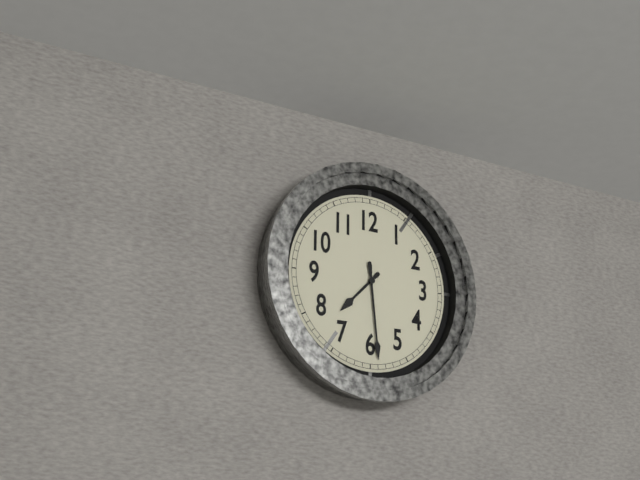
7 h 29 min
